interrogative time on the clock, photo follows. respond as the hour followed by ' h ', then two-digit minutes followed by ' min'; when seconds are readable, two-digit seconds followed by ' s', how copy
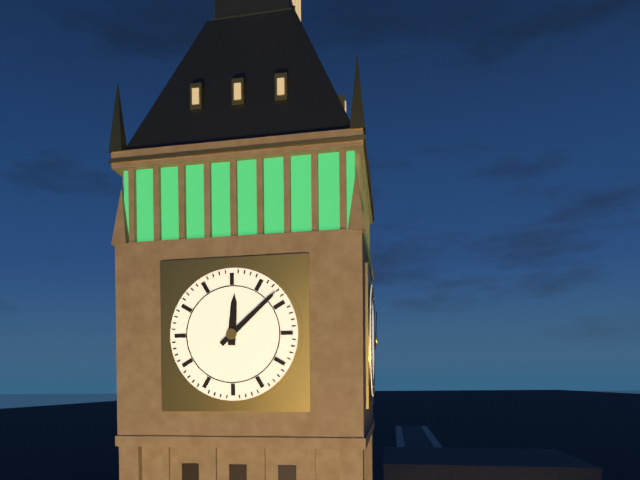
12 h 08 min
